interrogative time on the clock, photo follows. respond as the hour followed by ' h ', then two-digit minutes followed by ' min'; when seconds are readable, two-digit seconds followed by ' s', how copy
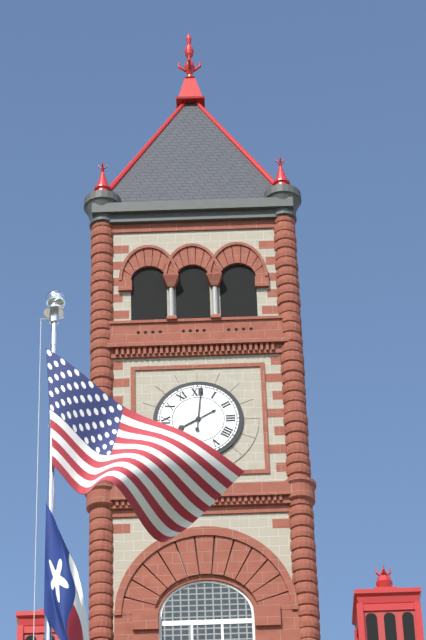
8 h 01 min
